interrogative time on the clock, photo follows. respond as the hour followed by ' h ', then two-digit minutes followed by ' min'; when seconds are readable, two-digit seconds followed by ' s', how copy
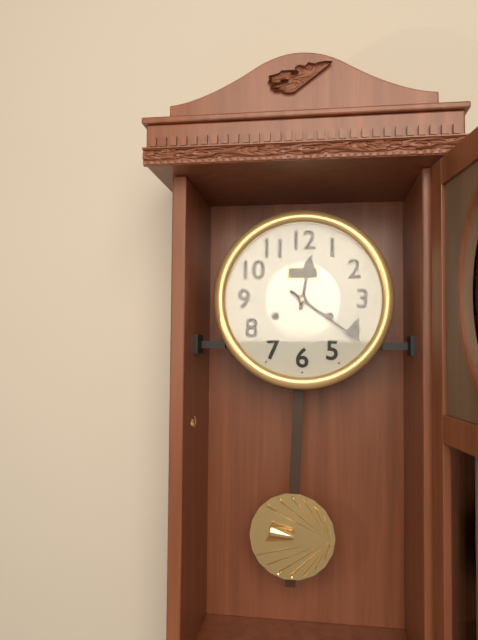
12 h 21 min
